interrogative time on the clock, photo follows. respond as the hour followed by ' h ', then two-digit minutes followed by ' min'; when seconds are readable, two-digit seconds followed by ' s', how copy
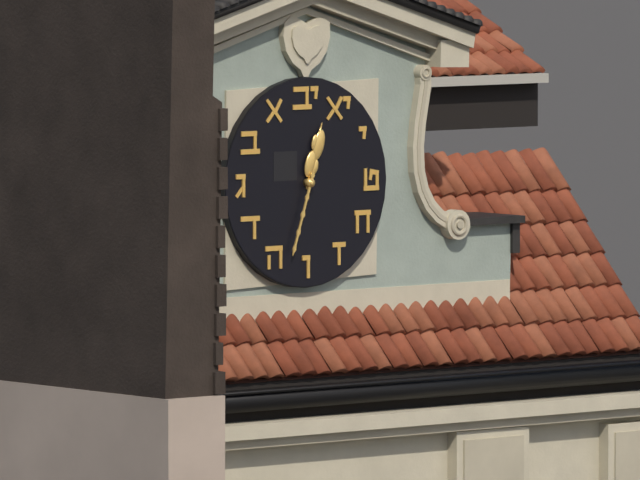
12 h 33 min
